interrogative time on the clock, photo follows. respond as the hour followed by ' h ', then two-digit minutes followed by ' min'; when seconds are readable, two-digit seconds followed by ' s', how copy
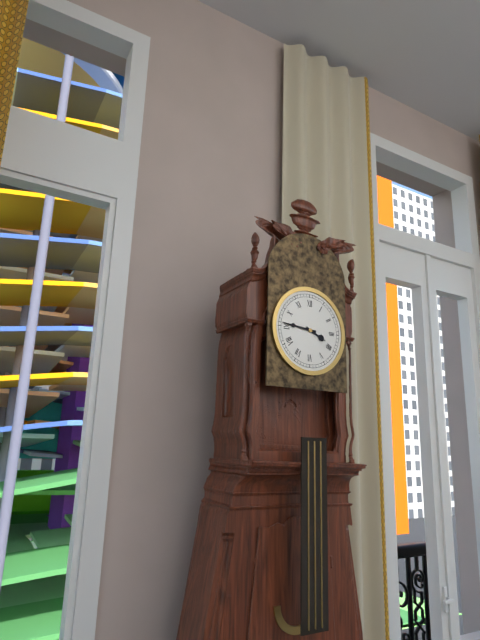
3 h 46 min
